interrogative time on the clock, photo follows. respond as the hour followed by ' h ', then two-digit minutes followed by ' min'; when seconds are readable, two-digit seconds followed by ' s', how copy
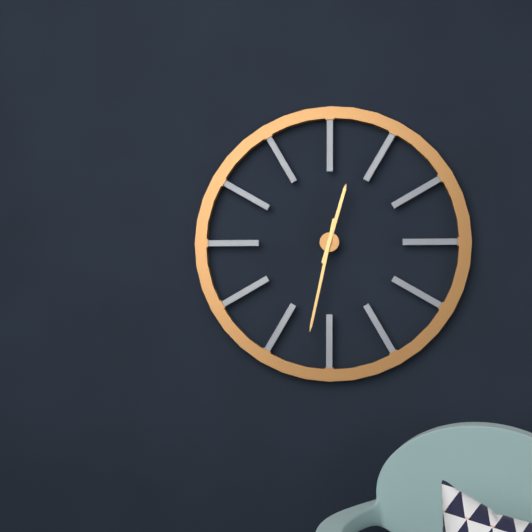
12 h 32 min
